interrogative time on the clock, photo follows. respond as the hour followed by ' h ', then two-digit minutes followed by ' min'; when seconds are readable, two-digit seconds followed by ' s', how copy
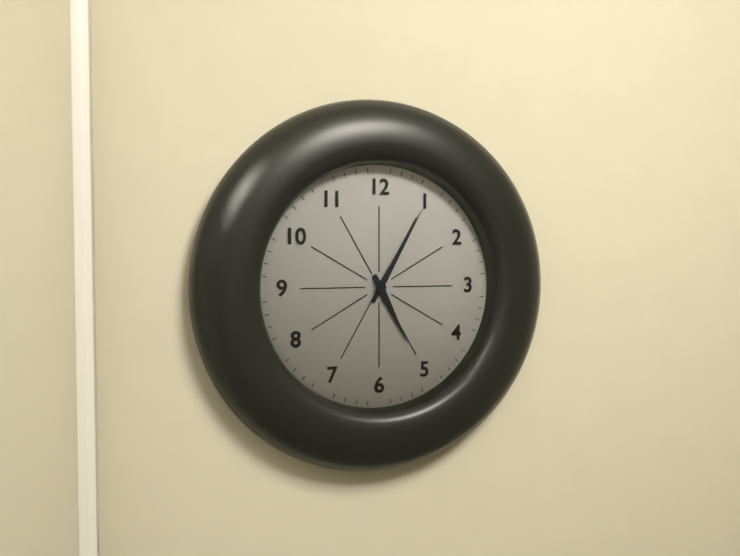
5 h 05 min
